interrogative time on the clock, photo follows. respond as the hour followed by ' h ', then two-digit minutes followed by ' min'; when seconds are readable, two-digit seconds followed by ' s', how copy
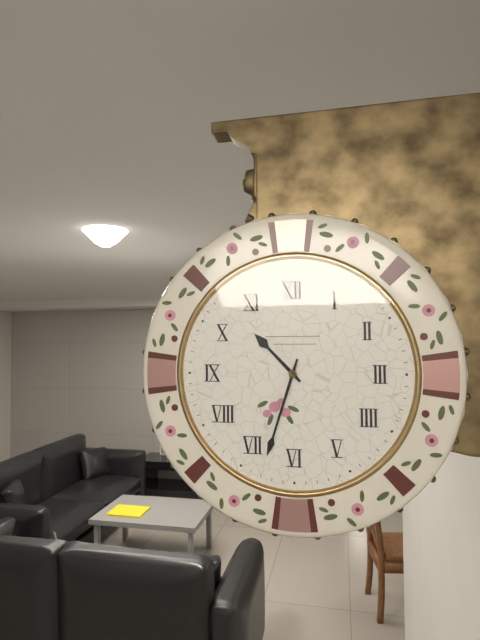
10 h 33 min
